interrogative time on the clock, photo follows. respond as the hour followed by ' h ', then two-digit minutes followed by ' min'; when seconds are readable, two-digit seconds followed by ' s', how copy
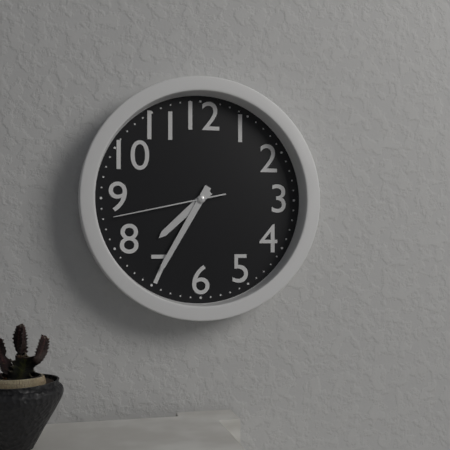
7 h 35 min 43 s
